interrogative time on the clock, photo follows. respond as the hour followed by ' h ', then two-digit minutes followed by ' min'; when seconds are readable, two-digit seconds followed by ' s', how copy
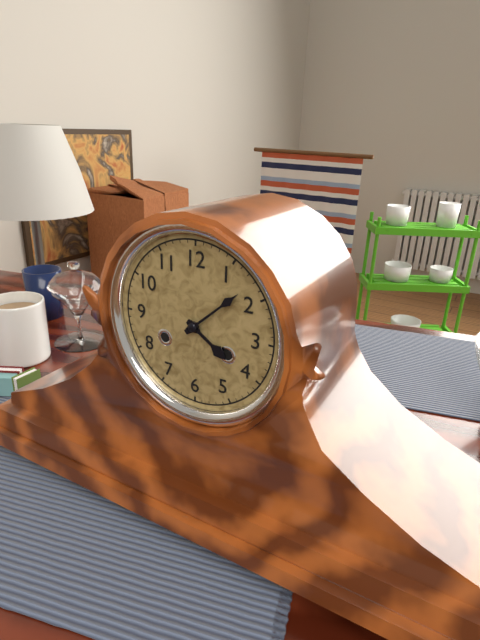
4 h 08 min
